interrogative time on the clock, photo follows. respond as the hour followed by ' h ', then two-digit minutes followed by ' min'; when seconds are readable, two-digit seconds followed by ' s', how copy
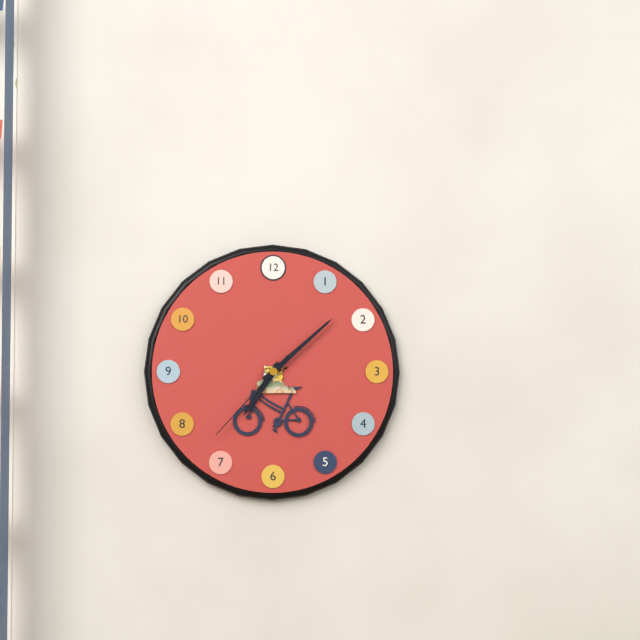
7 h 08 min 37 s
